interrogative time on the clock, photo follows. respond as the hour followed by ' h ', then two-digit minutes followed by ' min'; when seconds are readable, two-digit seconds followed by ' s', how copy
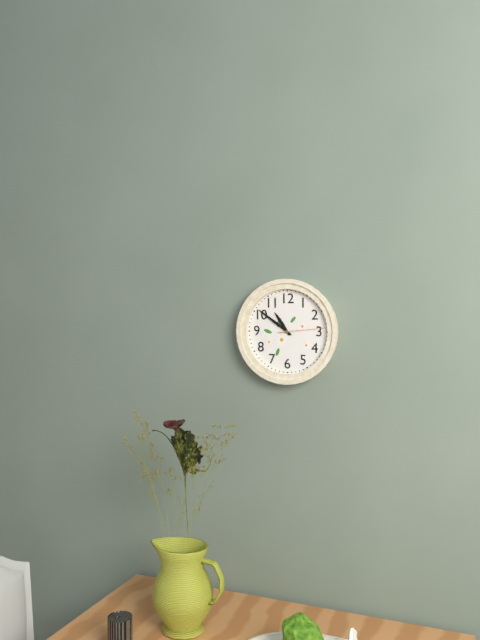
10 h 51 min
